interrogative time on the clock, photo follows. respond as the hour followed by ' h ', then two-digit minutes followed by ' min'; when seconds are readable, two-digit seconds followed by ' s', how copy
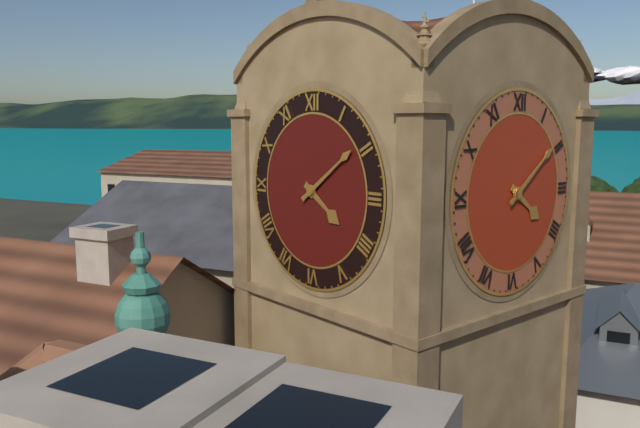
4 h 09 min
